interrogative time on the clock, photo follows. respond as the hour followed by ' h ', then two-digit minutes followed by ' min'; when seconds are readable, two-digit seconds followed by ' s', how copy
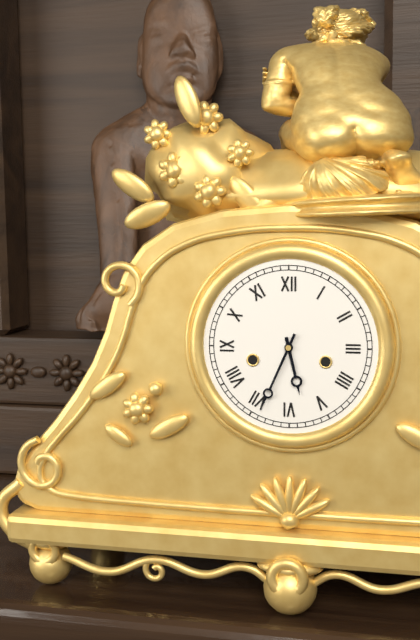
5 h 34 min
